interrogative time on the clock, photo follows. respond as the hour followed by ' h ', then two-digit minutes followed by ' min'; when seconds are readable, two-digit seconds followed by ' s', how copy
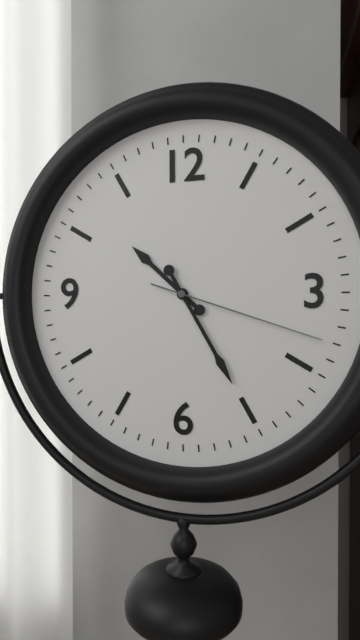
10 h 25 min 18 s
